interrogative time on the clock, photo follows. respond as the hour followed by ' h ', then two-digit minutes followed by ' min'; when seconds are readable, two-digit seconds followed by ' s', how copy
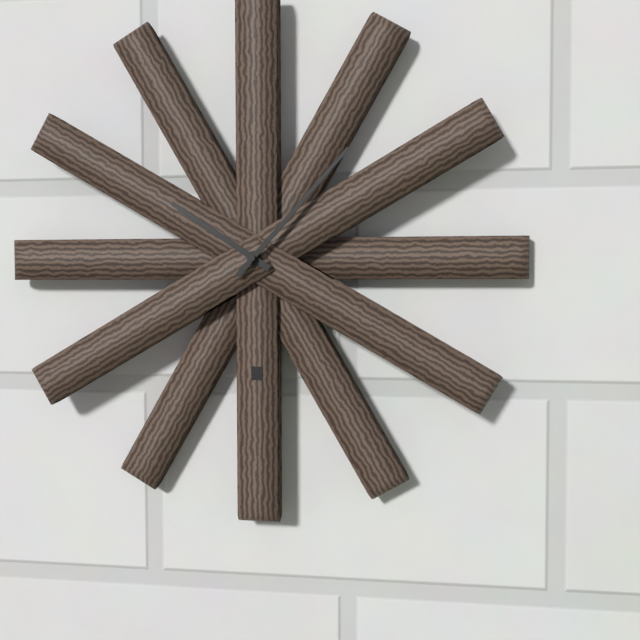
10 h 07 min
